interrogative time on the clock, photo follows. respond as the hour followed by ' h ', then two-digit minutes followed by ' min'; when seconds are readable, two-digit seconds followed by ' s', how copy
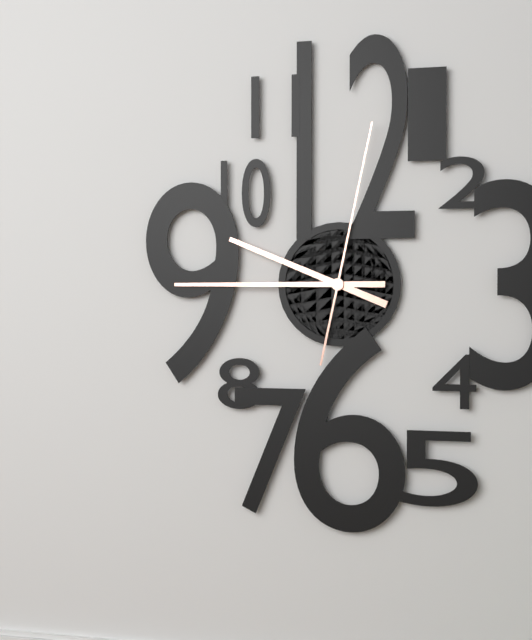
9 h 45 min 02 s
